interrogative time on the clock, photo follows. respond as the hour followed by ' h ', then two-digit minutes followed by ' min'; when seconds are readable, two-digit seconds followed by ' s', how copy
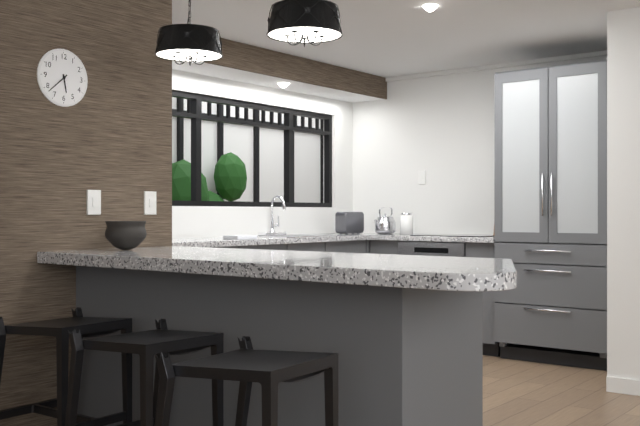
5 h 38 min
